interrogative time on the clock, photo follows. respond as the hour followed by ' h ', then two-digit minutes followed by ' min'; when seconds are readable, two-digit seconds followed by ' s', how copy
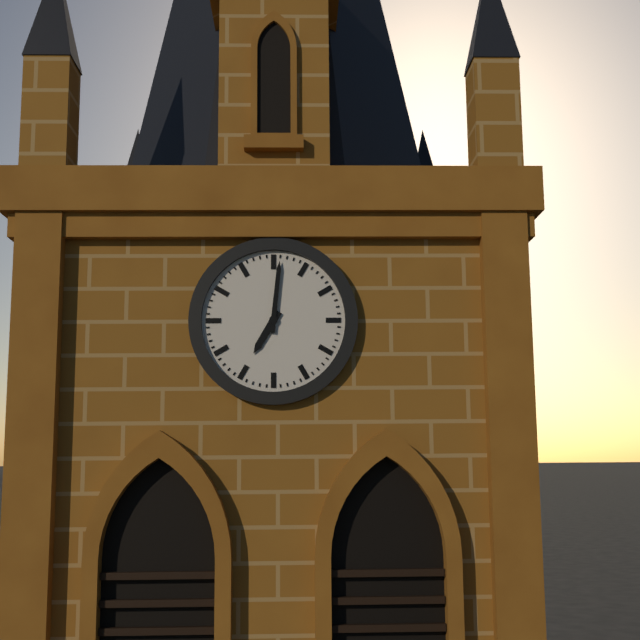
7 h 01 min
